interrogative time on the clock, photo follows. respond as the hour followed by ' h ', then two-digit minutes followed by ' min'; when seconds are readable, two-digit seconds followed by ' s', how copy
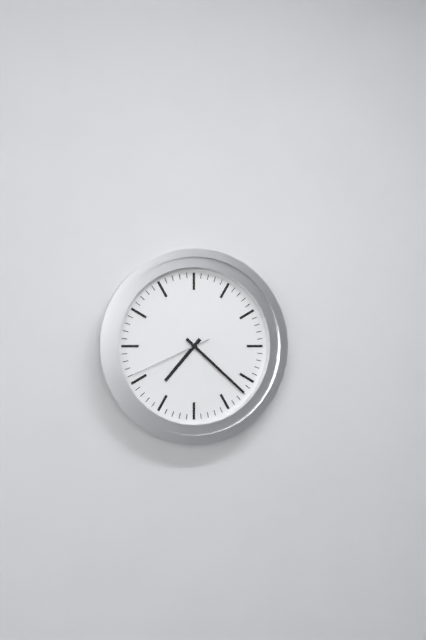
7 h 22 min 41 s
